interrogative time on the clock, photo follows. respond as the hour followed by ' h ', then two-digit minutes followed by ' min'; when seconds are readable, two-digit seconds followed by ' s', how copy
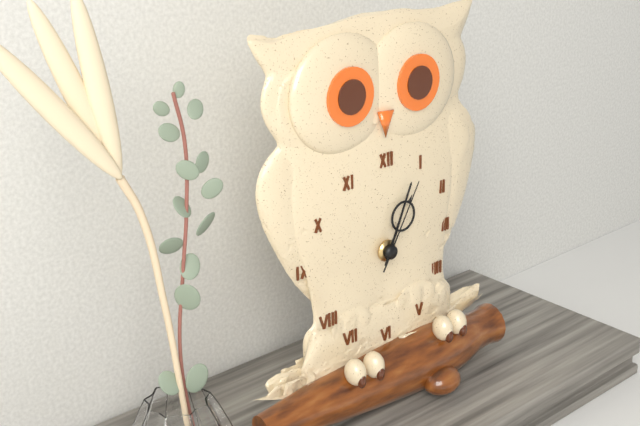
1 h 04 min 05 s
